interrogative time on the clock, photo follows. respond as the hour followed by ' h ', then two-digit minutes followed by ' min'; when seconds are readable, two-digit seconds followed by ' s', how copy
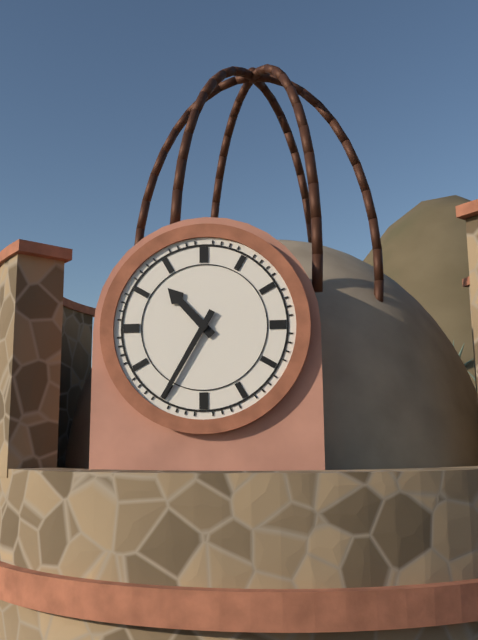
10 h 35 min
